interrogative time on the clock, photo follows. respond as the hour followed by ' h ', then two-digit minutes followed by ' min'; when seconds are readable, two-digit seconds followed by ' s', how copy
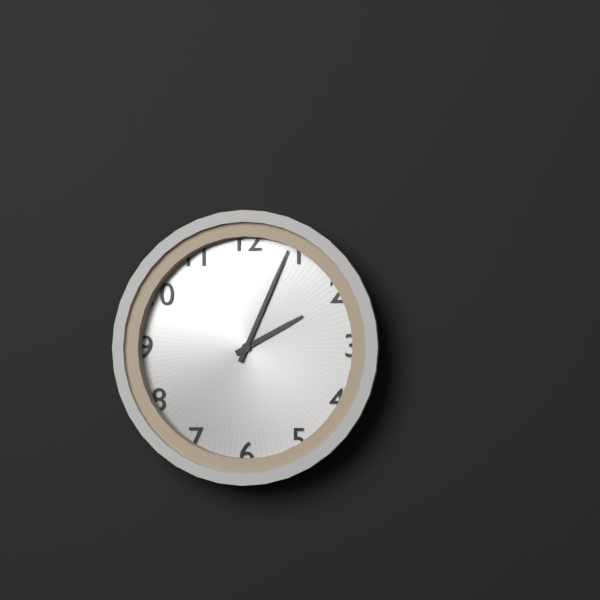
2 h 04 min
